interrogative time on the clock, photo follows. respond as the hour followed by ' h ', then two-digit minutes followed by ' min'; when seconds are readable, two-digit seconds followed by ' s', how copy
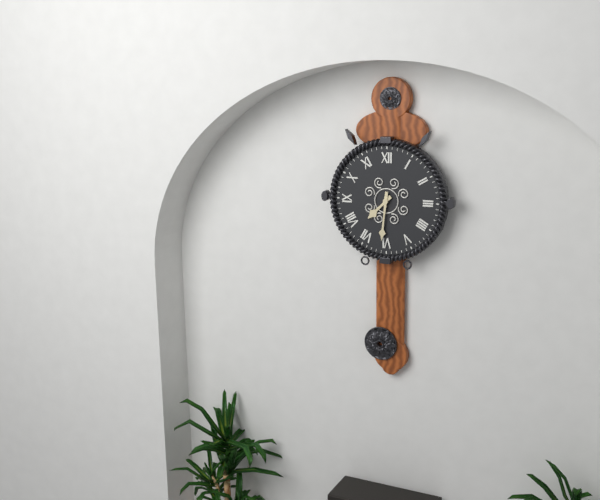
7 h 31 min
